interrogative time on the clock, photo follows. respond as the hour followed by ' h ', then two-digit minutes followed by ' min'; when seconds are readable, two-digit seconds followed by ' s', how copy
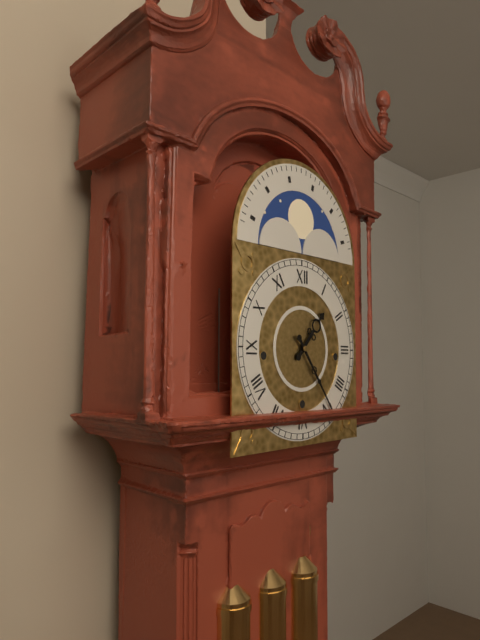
1 h 24 min
